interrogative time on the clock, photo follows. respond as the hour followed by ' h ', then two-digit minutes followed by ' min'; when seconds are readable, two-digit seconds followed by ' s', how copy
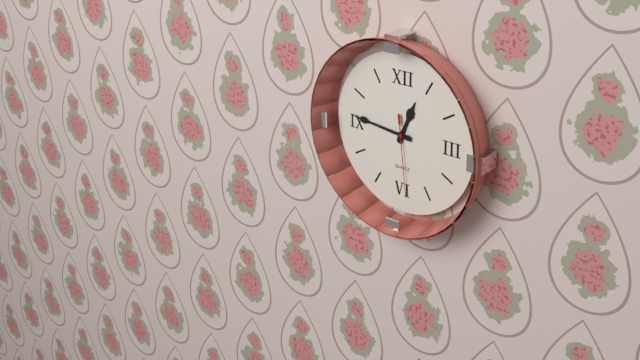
12 h 46 min 29 s
